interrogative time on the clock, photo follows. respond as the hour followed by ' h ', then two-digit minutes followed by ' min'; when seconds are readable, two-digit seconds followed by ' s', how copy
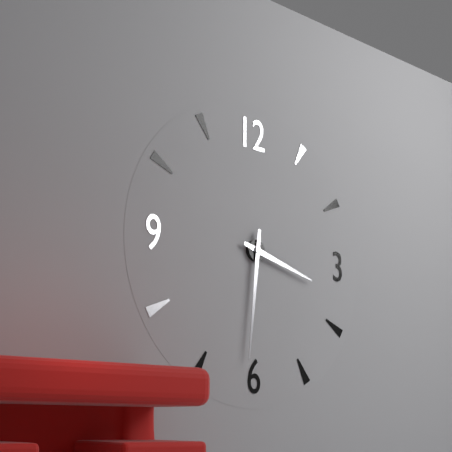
3 h 31 min
